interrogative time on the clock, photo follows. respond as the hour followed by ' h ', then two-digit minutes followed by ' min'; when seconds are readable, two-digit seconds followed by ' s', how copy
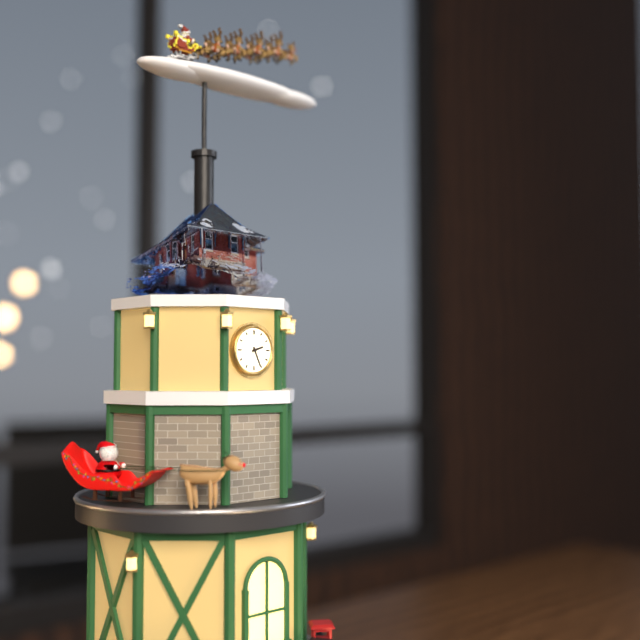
2 h 26 min
